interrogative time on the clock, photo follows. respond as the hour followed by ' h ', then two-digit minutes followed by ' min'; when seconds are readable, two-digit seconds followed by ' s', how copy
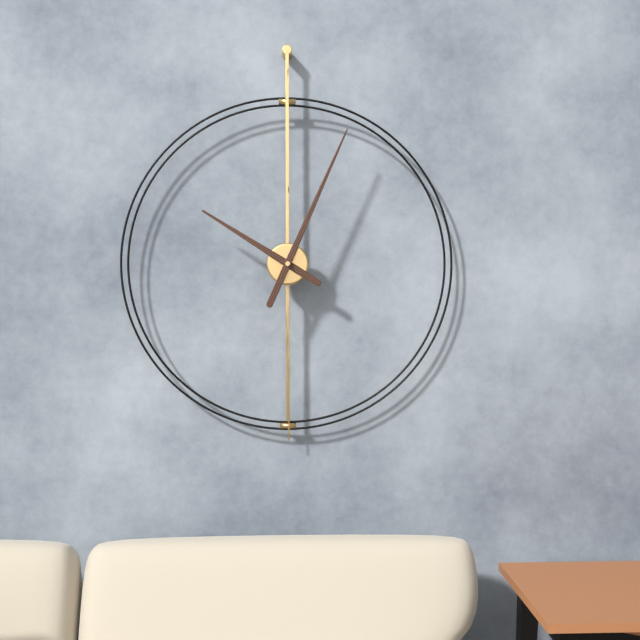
10 h 04 min
